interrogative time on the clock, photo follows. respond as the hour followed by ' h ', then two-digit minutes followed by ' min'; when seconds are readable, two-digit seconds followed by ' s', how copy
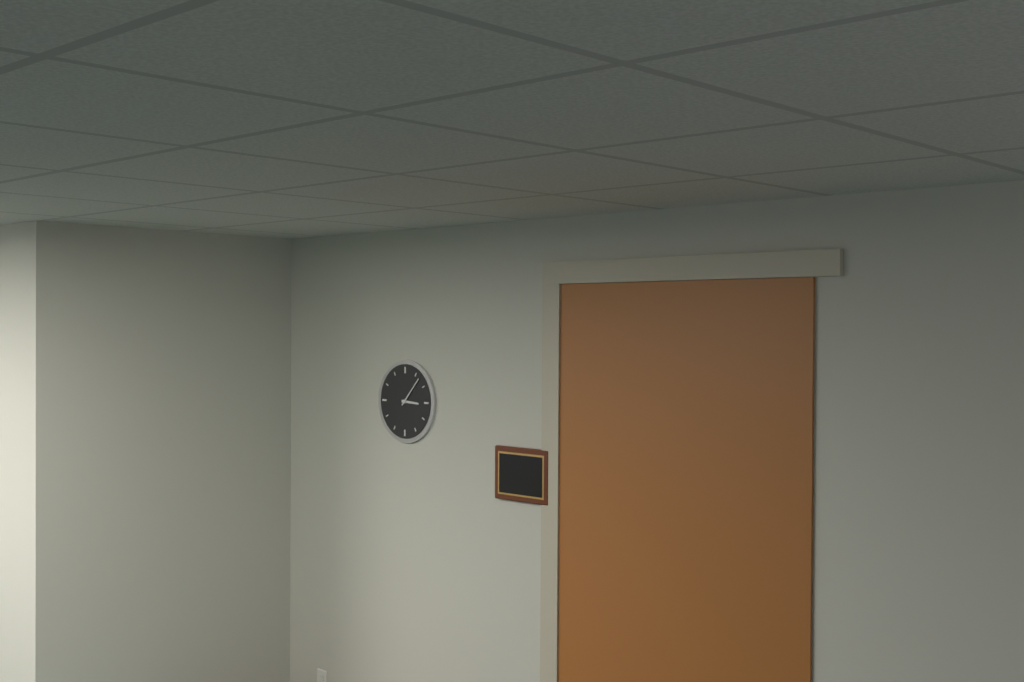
3 h 07 min
